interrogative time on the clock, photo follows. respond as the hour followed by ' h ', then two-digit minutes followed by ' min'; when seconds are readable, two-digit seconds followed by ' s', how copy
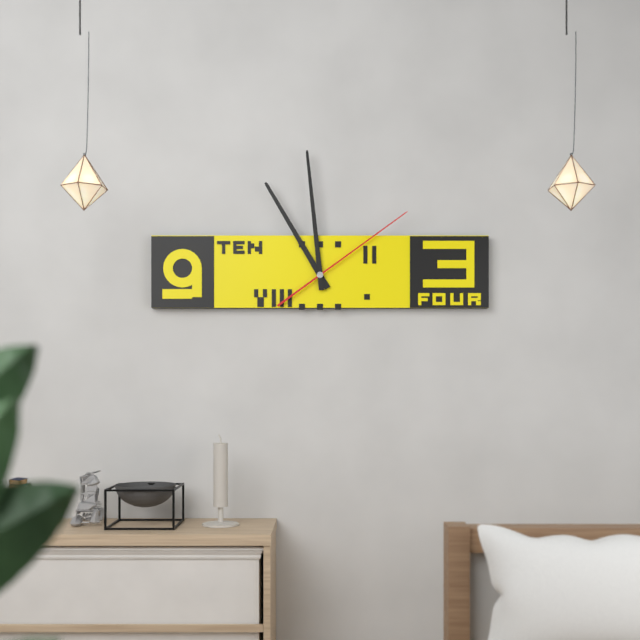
10 h 59 min 09 s
